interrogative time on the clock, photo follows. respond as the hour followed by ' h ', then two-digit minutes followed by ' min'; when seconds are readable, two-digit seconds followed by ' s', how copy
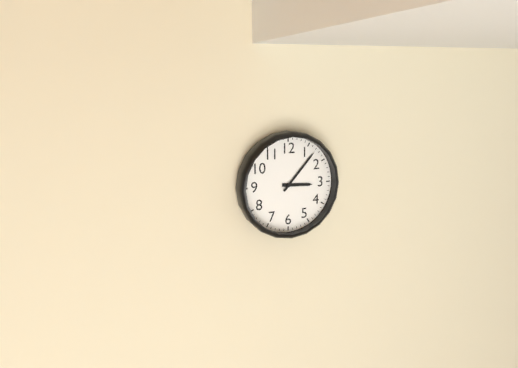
3 h 07 min
